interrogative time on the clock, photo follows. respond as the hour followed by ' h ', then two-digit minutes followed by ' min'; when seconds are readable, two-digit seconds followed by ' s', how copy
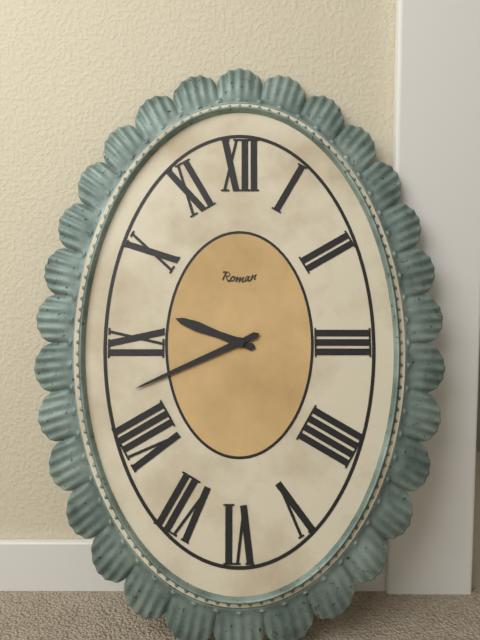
9 h 41 min
